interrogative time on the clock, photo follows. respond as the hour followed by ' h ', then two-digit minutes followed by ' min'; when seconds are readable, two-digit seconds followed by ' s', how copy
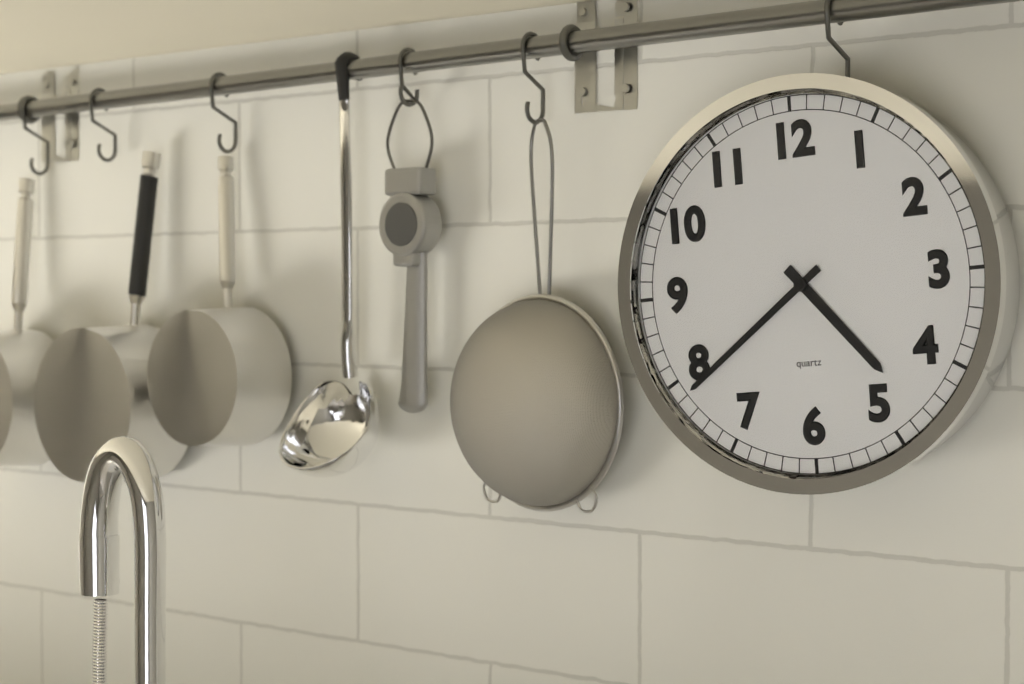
4 h 39 min
